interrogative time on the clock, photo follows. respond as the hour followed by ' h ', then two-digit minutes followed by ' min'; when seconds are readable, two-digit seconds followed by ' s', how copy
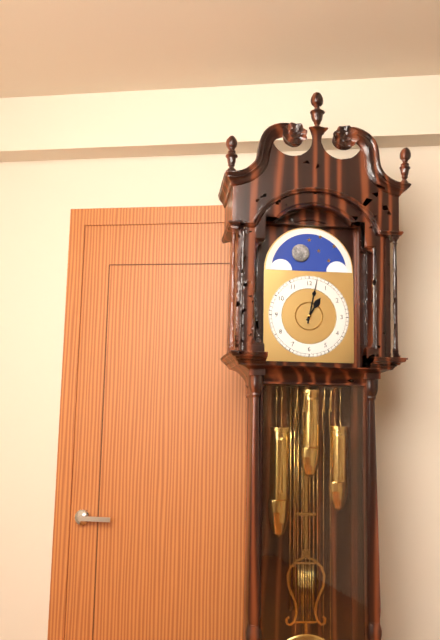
1 h 02 min
